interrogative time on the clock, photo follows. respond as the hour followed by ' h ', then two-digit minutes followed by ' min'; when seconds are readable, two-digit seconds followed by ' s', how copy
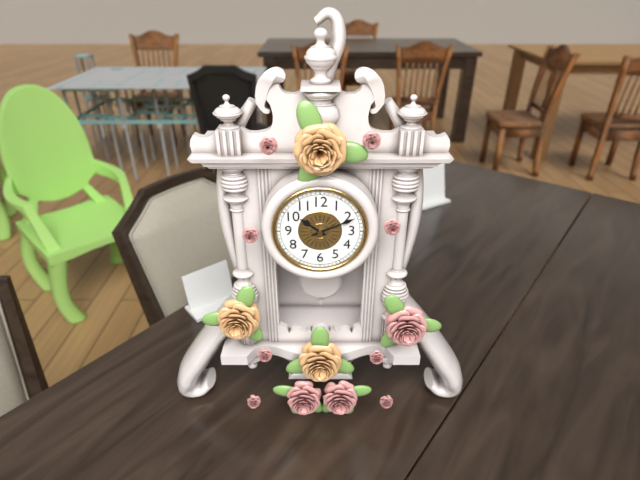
10 h 11 min
